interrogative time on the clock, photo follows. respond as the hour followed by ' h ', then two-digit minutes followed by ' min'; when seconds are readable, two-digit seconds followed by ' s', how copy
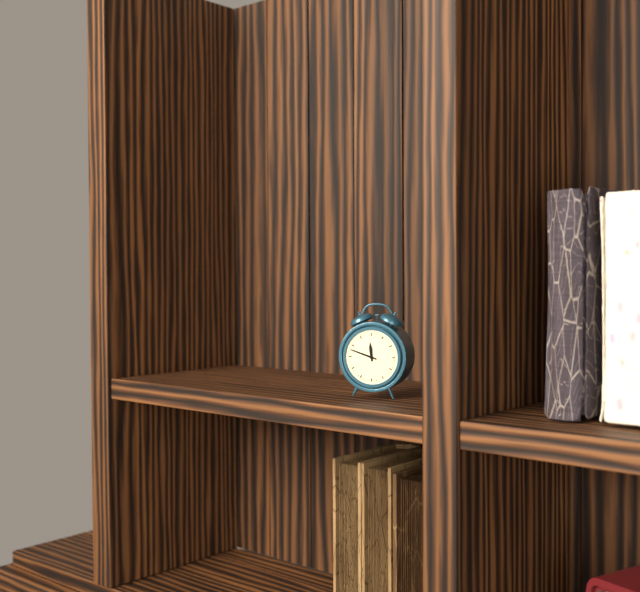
11 h 48 min
